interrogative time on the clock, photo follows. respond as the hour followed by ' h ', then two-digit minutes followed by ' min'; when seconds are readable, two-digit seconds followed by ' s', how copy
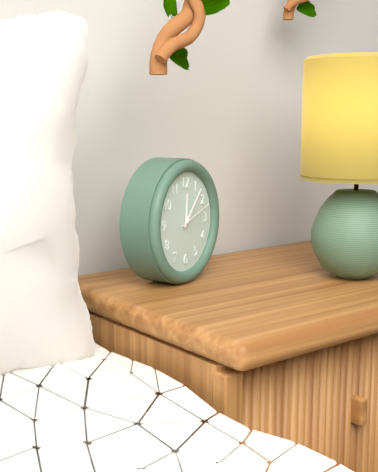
12 h 07 min
